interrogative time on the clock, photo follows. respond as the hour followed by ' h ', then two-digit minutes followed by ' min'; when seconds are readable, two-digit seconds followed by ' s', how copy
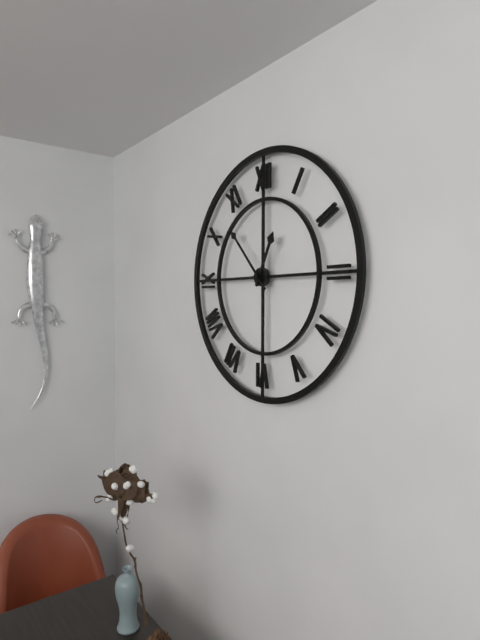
12 h 53 min
